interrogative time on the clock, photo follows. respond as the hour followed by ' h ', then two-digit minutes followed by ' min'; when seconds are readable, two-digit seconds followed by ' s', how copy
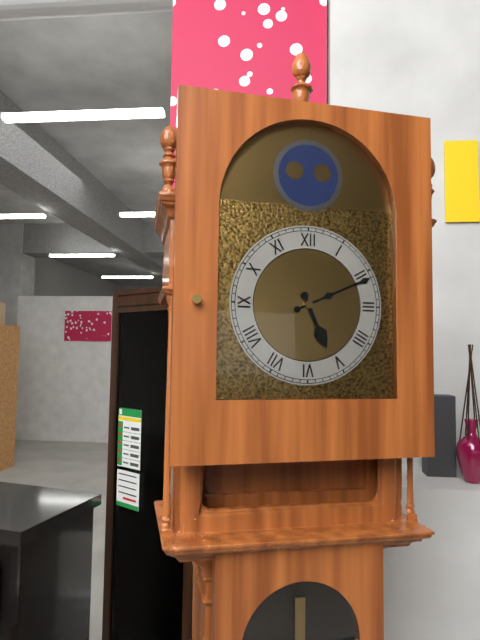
5 h 11 min
